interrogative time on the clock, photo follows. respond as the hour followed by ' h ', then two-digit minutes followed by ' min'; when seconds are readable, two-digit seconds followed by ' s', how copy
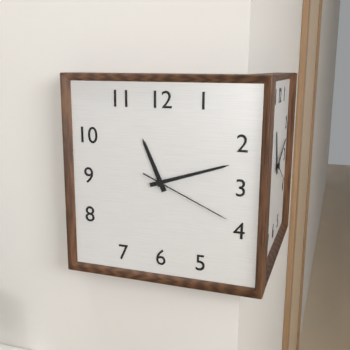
11 h 12 min 19 s
